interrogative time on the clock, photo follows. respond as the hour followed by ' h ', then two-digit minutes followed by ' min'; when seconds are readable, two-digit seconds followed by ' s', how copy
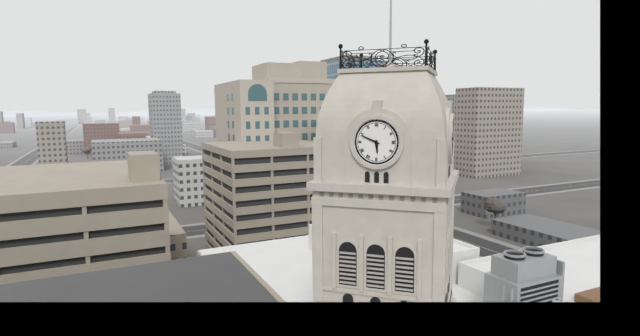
5 h 49 min
